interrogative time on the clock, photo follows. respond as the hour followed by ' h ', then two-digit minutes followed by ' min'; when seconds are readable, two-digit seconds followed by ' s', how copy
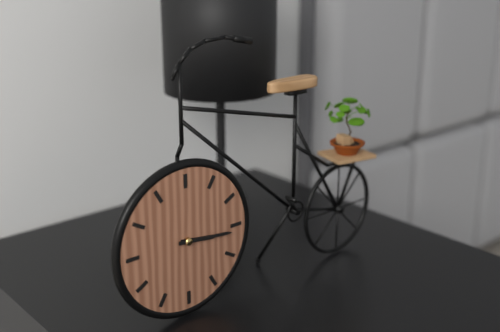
3 h 16 min
